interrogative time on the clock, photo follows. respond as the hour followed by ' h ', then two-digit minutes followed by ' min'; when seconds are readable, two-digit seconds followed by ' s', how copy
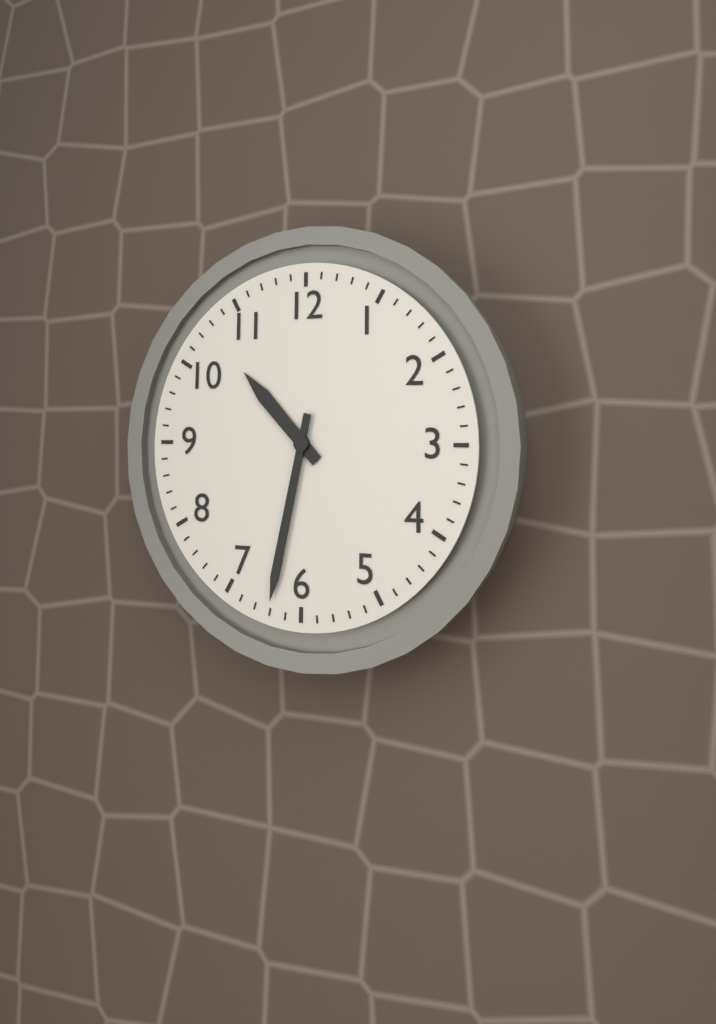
10 h 32 min
